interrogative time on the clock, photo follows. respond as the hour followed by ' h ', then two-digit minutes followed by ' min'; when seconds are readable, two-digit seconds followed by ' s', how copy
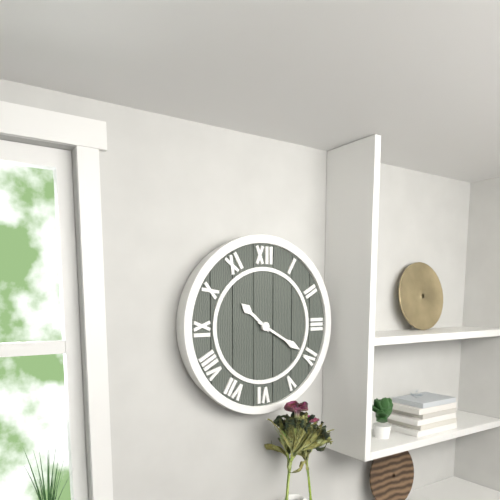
10 h 20 min
